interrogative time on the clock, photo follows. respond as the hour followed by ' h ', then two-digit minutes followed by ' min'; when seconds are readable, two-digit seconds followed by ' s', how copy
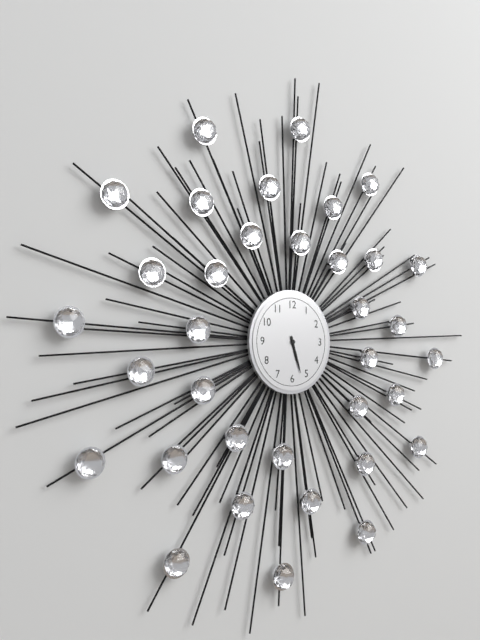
5 h 27 min
